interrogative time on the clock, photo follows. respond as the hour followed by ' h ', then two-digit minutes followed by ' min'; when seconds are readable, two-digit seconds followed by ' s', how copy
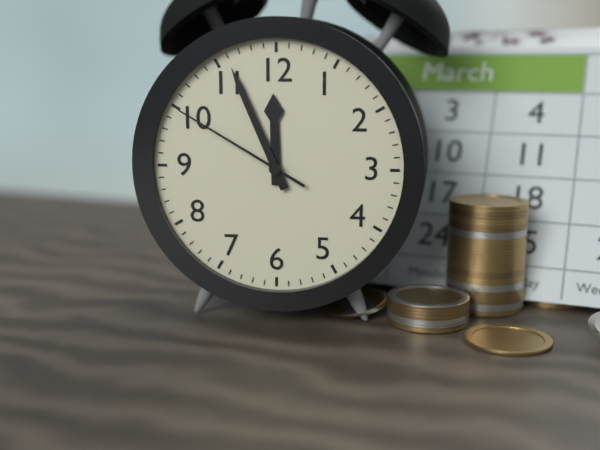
11 h 56 min 50 s
